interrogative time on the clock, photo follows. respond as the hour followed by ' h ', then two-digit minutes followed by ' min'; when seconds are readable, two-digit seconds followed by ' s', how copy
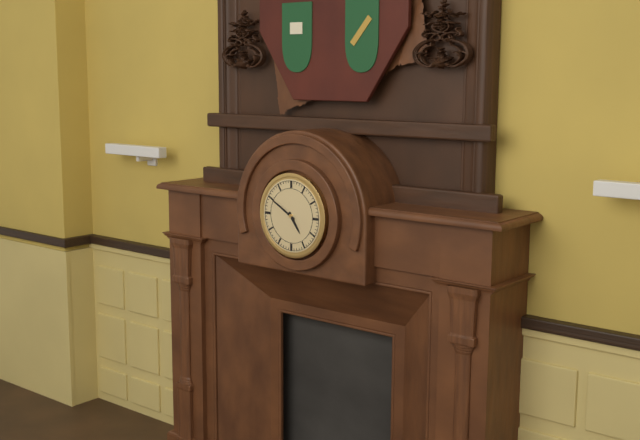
4 h 50 min
